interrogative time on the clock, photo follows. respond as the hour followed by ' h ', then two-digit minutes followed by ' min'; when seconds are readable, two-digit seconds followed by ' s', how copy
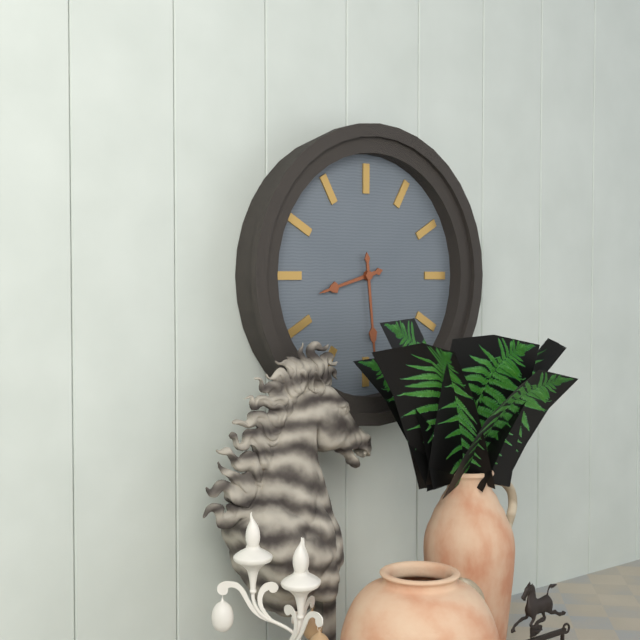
8 h 29 min
